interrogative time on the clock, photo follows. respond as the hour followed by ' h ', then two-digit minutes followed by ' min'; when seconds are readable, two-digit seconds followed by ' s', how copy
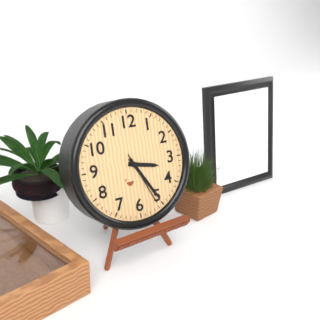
3 h 25 min 26 s
